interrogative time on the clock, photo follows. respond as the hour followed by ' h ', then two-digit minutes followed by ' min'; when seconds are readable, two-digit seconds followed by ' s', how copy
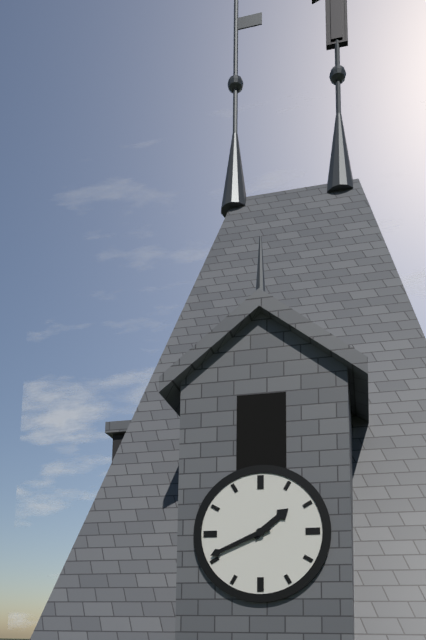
1 h 41 min
